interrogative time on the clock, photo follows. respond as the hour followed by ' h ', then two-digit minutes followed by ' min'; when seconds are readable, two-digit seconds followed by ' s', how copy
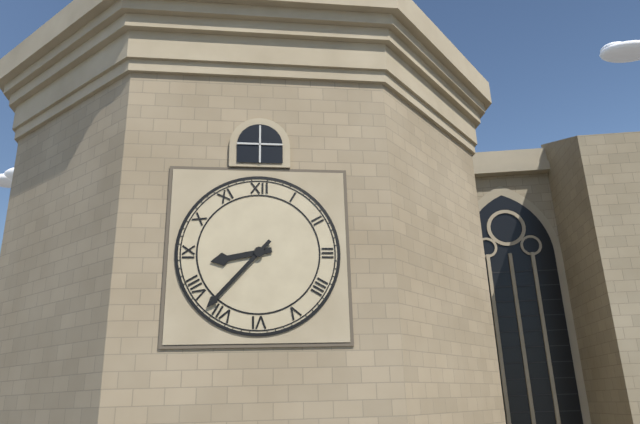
8 h 37 min
